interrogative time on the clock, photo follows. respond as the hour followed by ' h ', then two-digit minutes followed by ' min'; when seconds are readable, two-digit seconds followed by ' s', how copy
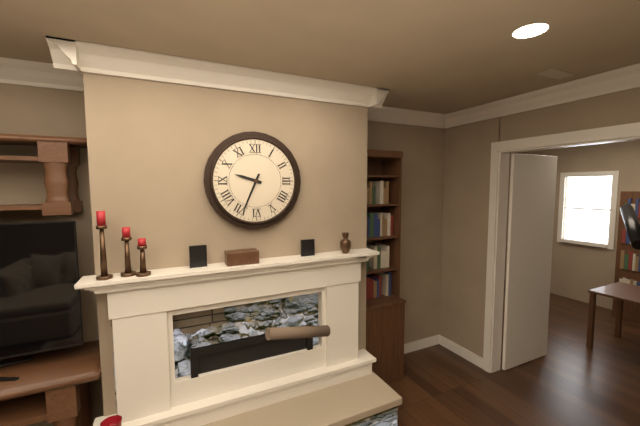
9 h 34 min
